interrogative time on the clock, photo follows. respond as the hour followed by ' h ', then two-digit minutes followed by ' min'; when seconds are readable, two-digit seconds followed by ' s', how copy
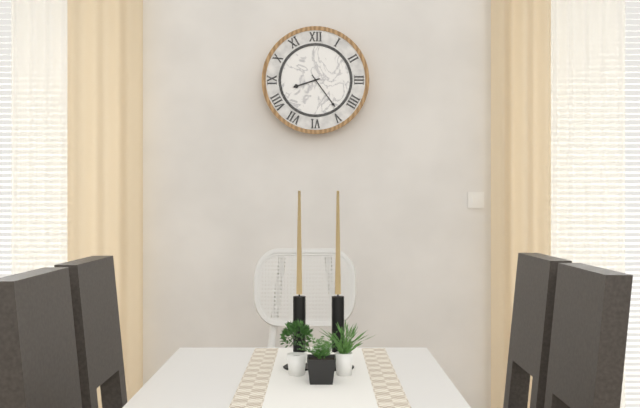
8 h 24 min
